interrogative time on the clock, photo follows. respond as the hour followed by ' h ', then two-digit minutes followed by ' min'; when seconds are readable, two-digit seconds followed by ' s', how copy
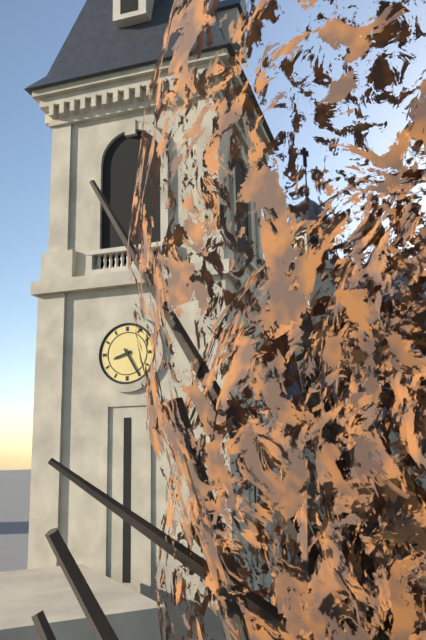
8 h 25 min
